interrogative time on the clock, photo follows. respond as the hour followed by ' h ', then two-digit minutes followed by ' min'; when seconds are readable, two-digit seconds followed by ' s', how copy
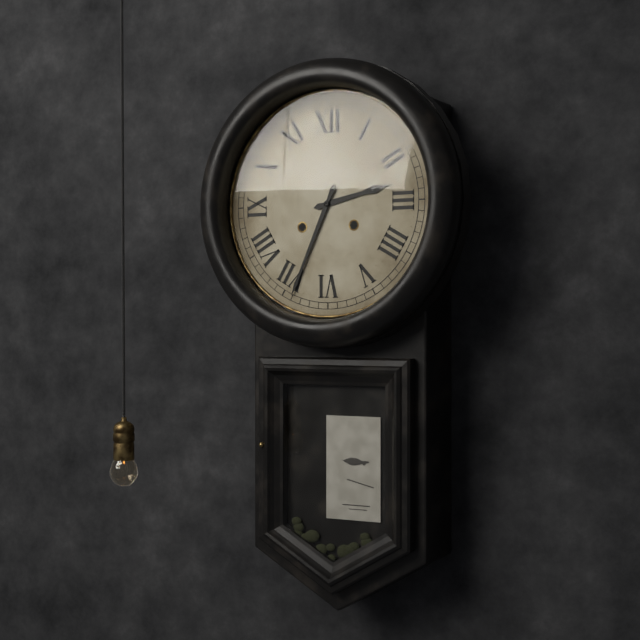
2 h 34 min
